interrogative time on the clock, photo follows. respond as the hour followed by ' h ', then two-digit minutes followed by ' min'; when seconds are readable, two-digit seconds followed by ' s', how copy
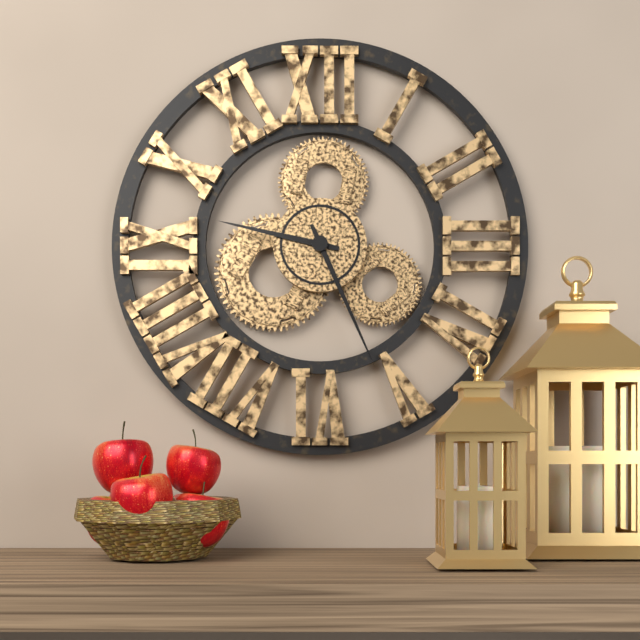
9 h 26 min
